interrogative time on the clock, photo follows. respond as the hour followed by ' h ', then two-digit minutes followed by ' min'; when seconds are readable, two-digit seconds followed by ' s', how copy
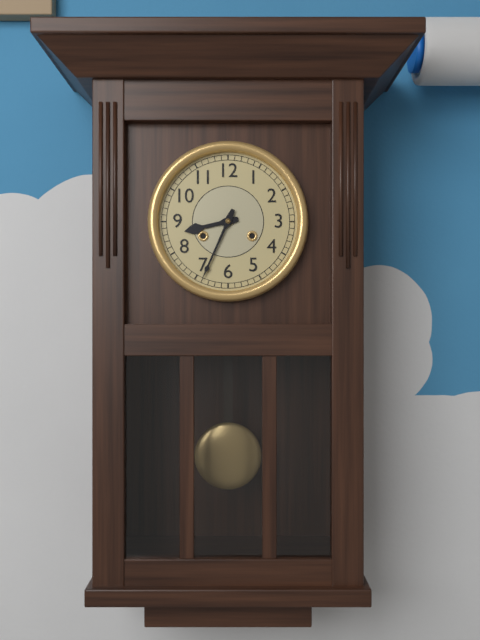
8 h 34 min
